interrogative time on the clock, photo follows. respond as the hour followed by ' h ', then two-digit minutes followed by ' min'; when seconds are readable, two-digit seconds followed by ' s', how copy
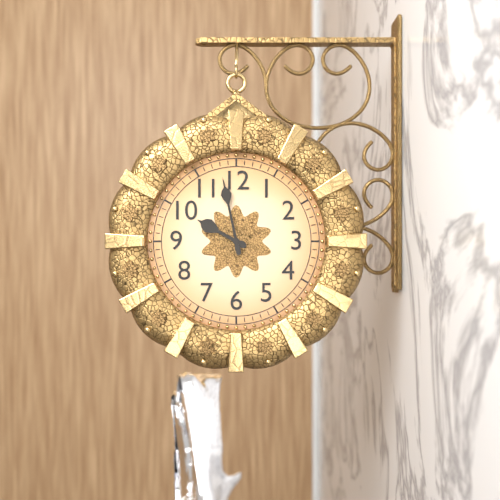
9 h 58 min
